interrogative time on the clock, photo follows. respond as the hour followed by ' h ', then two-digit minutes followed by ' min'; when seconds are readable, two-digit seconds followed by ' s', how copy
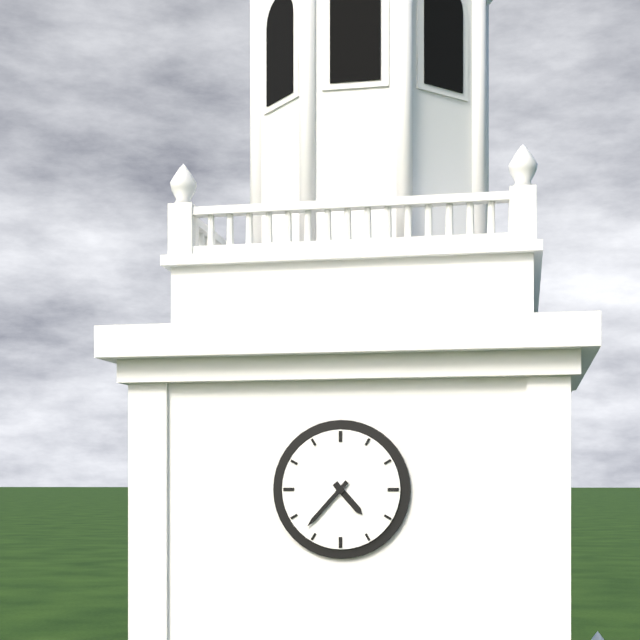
4 h 37 min
